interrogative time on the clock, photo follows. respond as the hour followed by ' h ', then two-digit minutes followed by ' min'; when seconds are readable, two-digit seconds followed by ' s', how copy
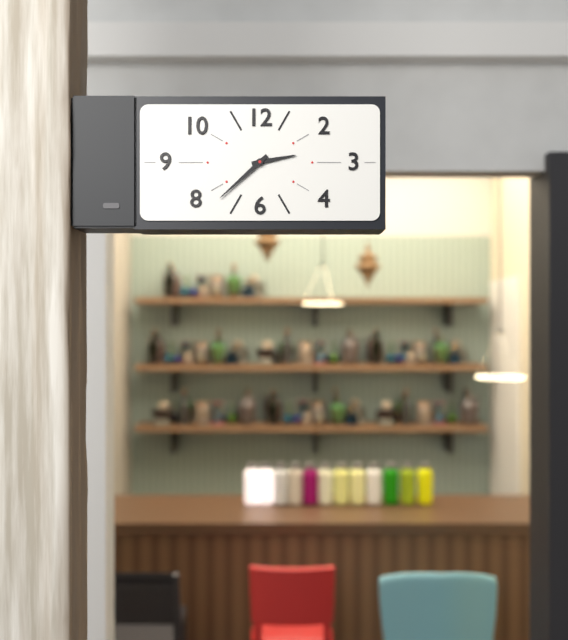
2 h 38 min
